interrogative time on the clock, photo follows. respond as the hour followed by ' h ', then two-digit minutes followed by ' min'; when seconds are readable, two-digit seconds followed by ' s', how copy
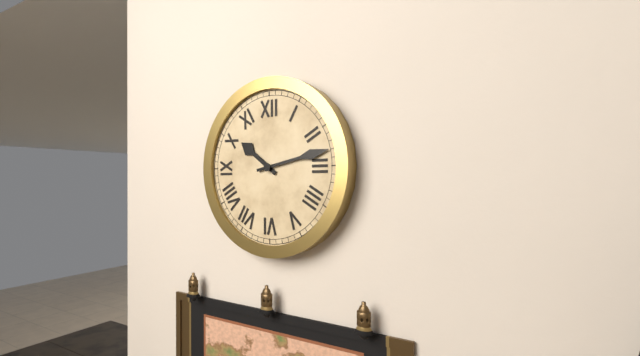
10 h 13 min
